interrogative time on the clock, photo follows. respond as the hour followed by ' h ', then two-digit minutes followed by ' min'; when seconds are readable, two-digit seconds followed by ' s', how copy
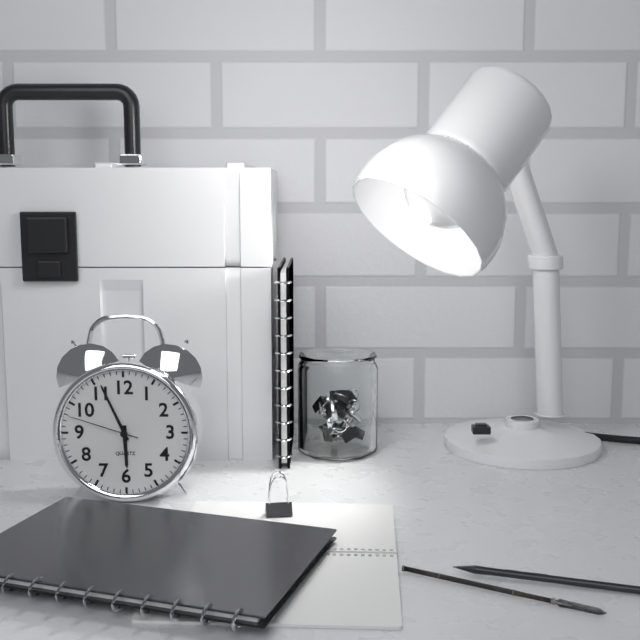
5 h 56 min 48 s
